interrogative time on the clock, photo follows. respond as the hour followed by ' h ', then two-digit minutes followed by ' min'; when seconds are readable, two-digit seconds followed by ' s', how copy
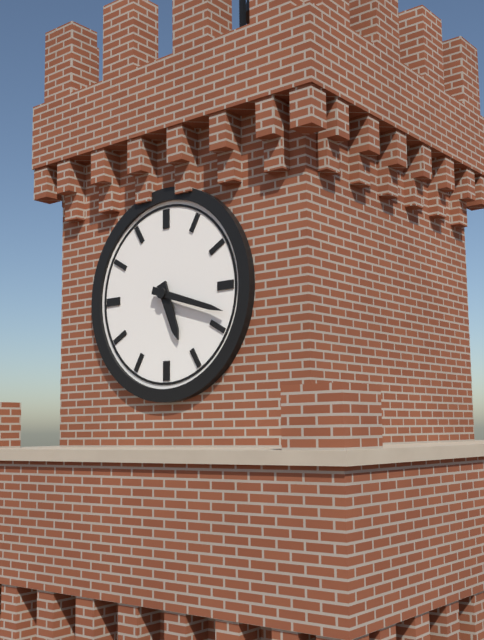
5 h 18 min
